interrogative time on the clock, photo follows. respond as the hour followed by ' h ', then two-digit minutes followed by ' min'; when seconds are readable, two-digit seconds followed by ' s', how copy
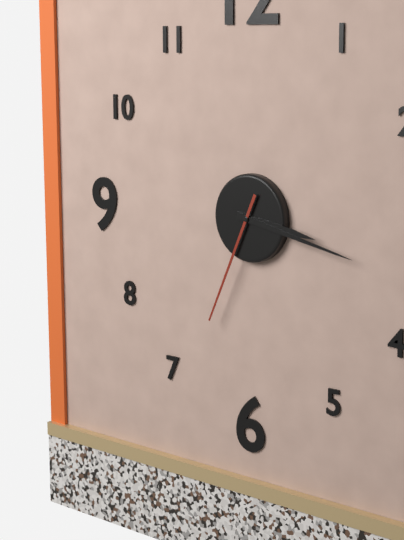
3 h 17 min 34 s
